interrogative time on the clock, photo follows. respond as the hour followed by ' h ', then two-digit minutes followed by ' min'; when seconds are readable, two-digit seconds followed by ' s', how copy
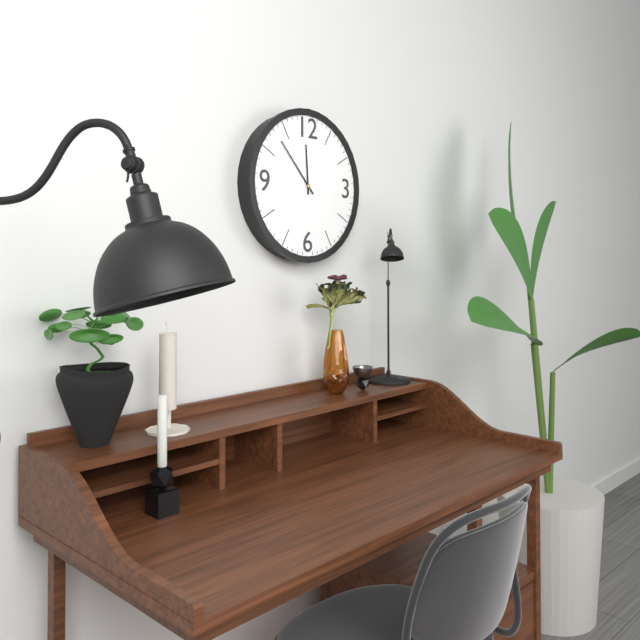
11 h 53 min
